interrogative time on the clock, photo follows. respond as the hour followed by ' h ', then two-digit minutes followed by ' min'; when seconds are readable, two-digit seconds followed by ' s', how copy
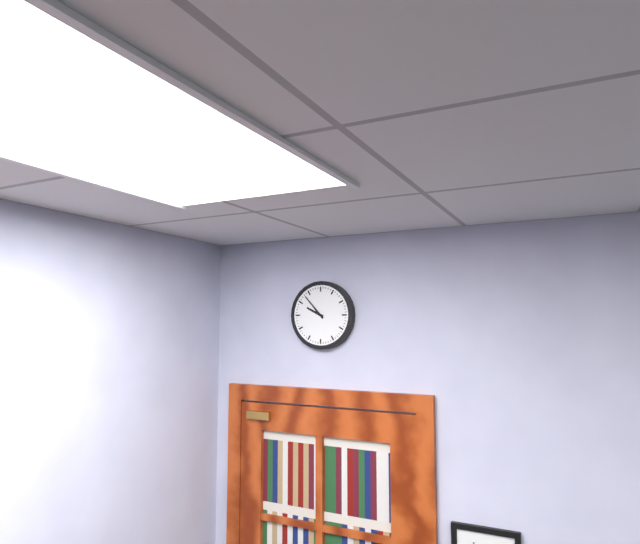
9 h 53 min
